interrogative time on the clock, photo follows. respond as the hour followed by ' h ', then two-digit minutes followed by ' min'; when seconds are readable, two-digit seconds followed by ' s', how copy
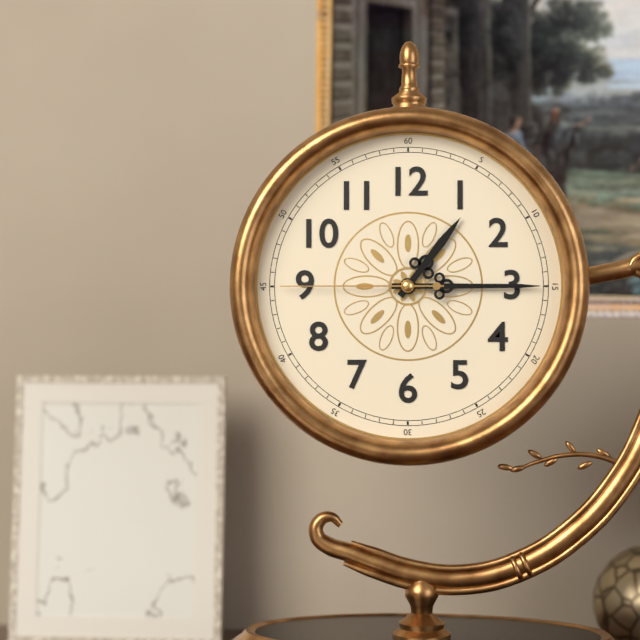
1 h 15 min 45 s
